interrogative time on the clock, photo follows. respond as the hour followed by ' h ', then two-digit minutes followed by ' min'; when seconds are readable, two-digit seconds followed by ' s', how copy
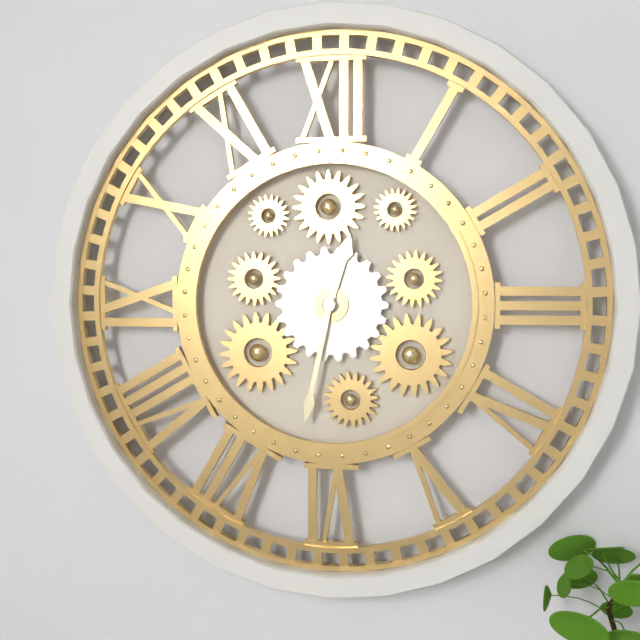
12 h 32 min
